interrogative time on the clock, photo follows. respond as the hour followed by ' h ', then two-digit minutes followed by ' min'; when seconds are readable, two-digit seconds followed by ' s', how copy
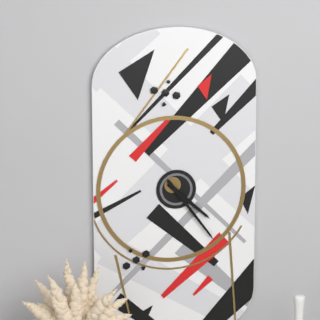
4 h 24 min
